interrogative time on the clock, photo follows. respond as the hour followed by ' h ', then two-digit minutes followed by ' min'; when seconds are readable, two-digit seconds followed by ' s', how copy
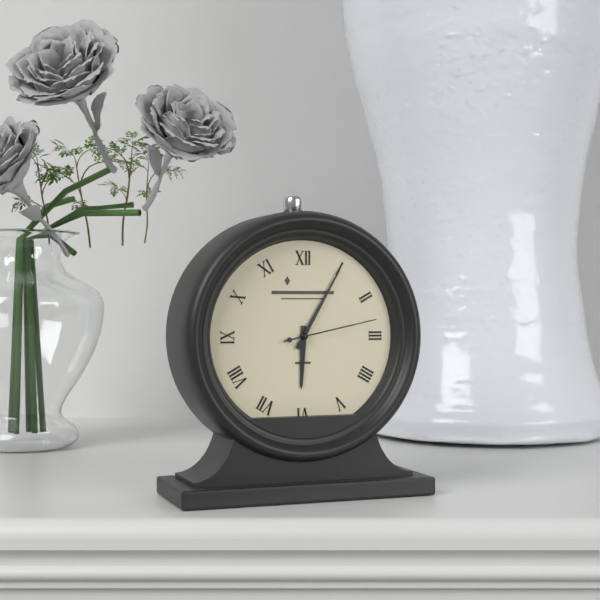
6 h 05 min 13 s
